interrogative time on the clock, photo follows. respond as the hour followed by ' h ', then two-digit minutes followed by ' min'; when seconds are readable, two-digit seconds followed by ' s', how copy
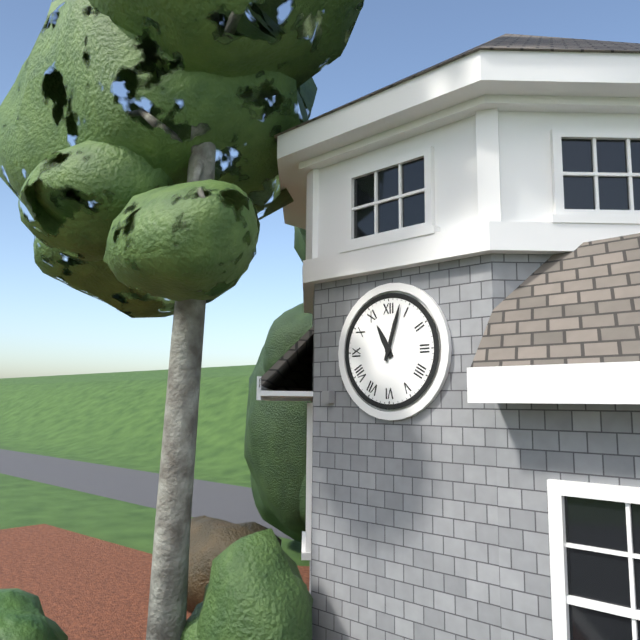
11 h 03 min
